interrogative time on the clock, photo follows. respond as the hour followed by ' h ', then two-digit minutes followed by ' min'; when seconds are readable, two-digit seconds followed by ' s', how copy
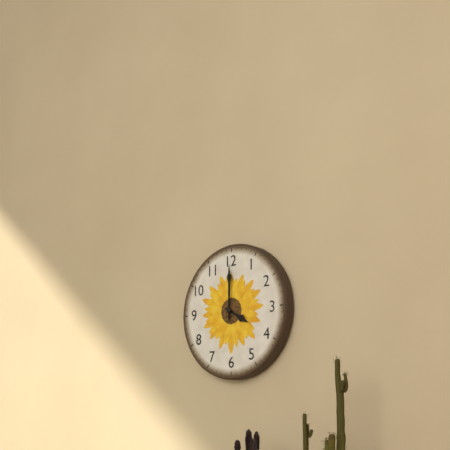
4 h 00 min
